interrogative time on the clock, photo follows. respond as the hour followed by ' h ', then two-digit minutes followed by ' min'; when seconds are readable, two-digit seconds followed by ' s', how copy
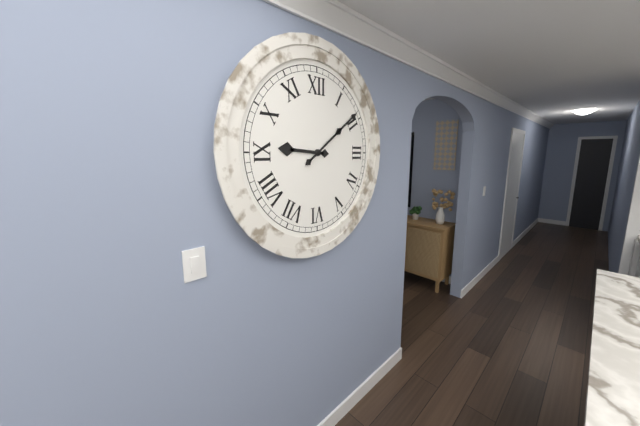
9 h 09 min
